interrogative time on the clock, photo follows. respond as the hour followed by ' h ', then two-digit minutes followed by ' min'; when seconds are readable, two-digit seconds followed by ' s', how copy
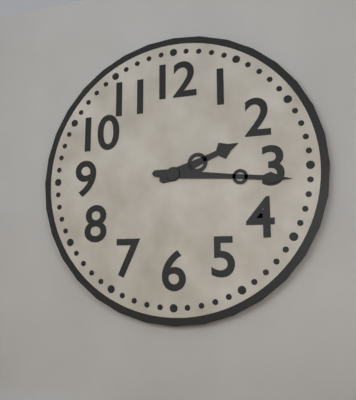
2 h 16 min
